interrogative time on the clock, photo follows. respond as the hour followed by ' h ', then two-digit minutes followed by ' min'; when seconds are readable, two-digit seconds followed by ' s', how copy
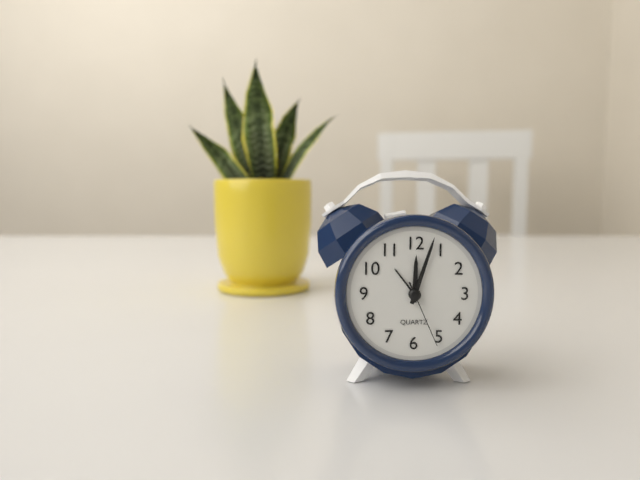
12 h 03 min 26 s
